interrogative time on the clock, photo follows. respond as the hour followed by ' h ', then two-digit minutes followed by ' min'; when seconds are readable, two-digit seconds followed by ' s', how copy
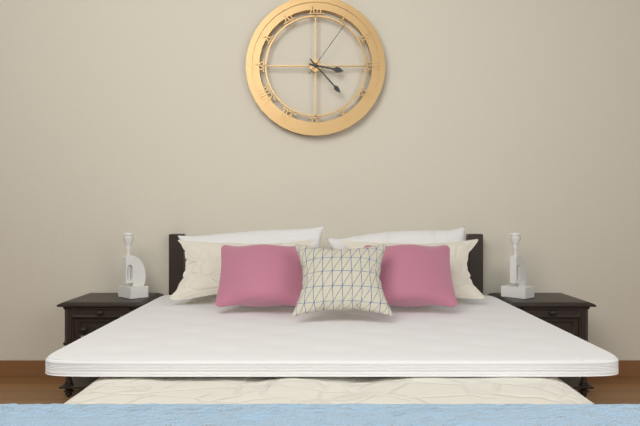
3 h 23 min 06 s
